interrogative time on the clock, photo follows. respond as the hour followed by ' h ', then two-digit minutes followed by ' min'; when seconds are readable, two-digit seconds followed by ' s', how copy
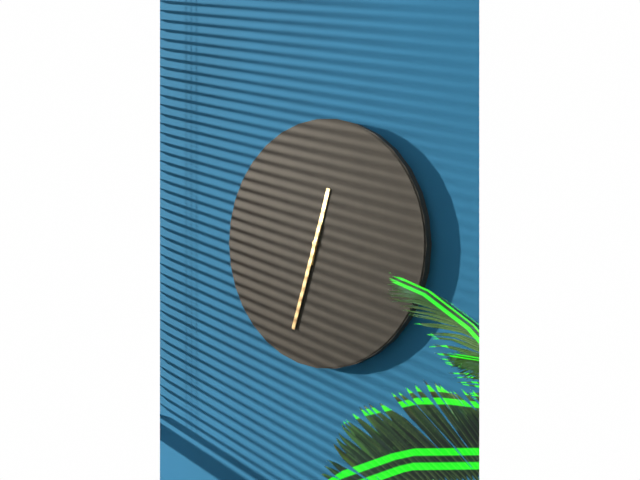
12 h 33 min
